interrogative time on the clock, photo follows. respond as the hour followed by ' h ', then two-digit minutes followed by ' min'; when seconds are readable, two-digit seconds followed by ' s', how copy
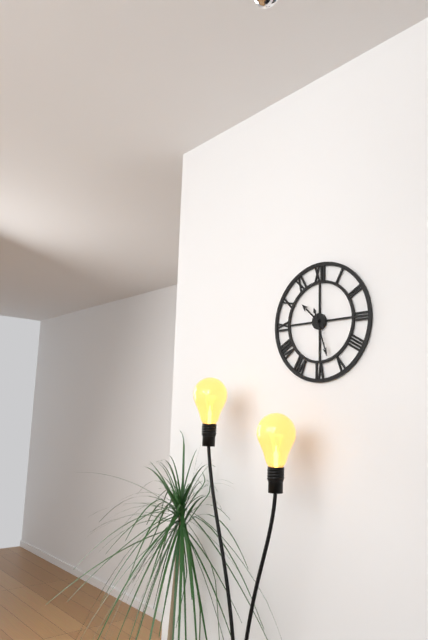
10 h 27 min
